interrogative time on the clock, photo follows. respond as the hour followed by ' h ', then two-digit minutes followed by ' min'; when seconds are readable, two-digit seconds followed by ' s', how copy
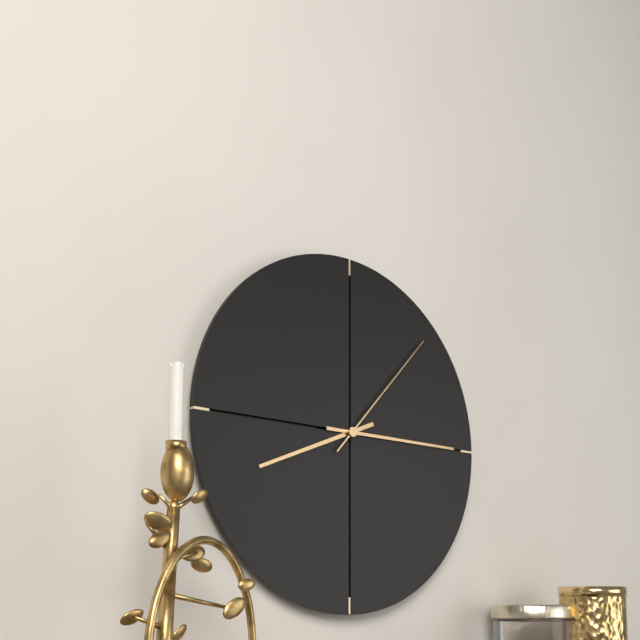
8 h 15 min 07 s
